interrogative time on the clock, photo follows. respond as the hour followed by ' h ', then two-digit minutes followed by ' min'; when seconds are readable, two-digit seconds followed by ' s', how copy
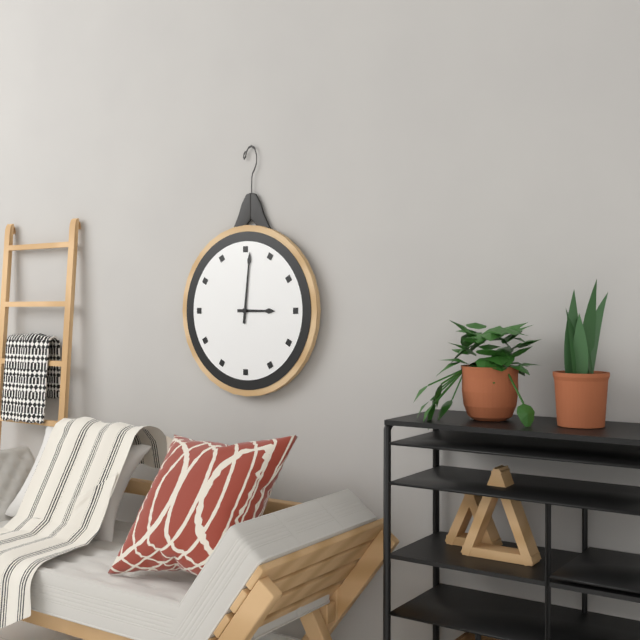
3 h 01 min
